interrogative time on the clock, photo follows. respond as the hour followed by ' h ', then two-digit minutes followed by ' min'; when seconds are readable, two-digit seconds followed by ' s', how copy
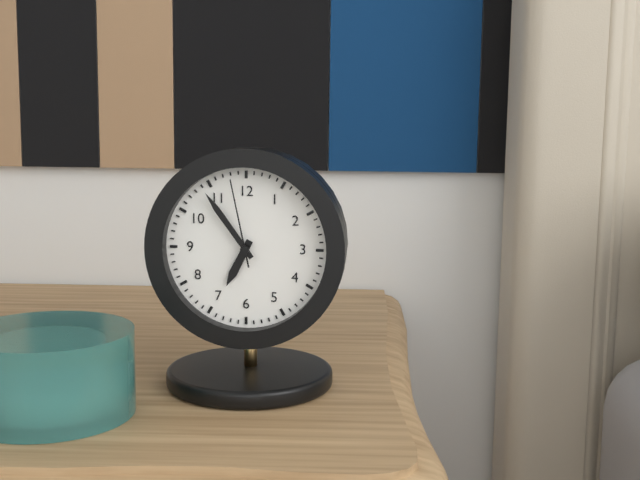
6 h 54 min 58 s
